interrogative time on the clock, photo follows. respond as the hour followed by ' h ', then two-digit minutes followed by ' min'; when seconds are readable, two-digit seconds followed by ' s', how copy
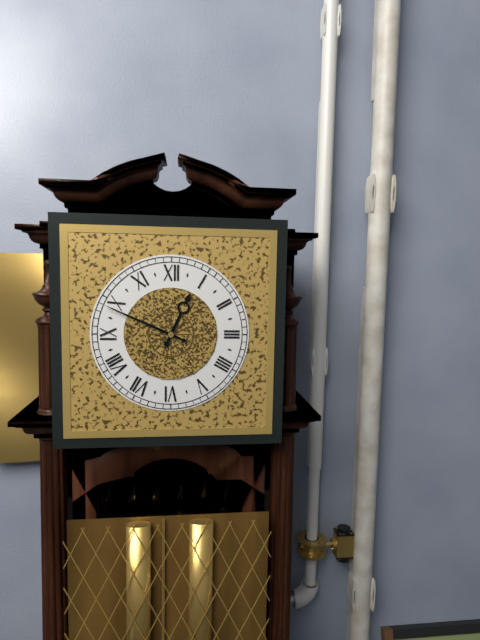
12 h 49 min
